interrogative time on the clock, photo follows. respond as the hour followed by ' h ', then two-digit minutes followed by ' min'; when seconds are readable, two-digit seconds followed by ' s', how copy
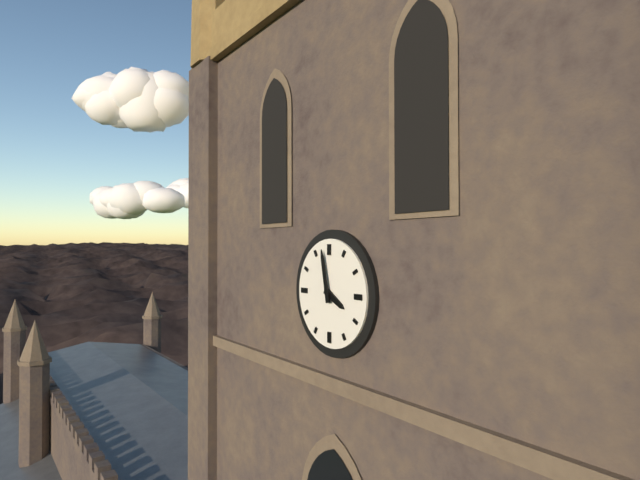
3 h 58 min
